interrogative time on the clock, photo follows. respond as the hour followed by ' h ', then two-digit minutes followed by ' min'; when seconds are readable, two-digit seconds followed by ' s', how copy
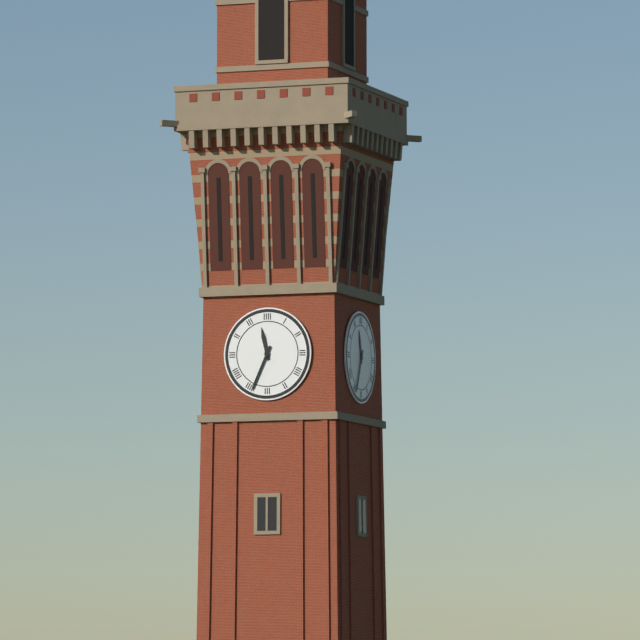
11 h 34 min
